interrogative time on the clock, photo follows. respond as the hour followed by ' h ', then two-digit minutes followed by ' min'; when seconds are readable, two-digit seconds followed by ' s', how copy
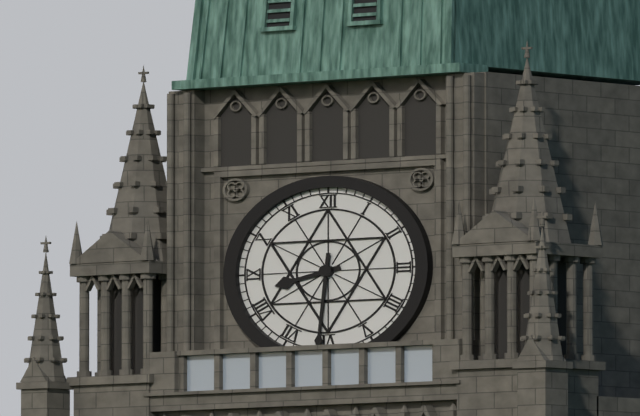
8 h 31 min
